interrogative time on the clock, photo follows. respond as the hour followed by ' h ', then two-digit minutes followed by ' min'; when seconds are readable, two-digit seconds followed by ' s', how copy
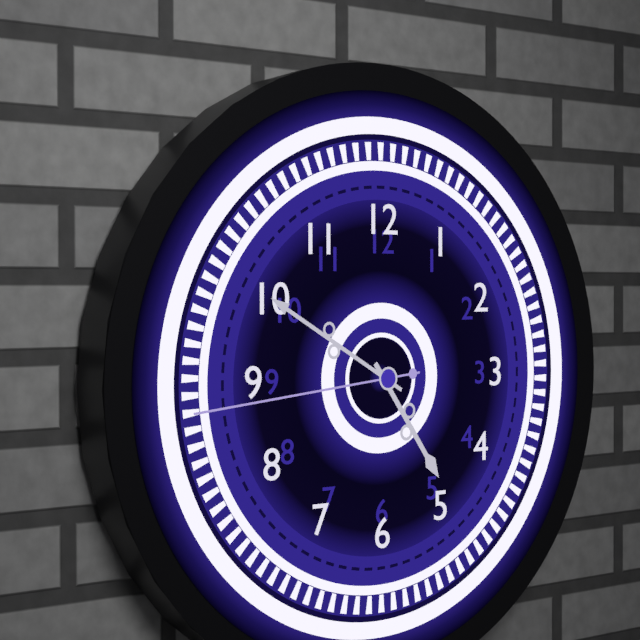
4 h 50 min 44 s
